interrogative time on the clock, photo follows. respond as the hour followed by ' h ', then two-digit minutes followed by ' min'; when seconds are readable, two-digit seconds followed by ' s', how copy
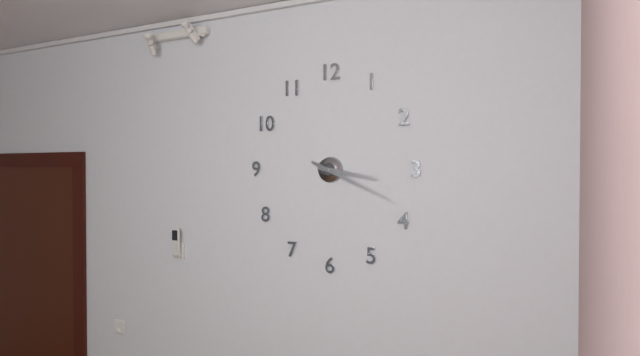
3 h 19 min
